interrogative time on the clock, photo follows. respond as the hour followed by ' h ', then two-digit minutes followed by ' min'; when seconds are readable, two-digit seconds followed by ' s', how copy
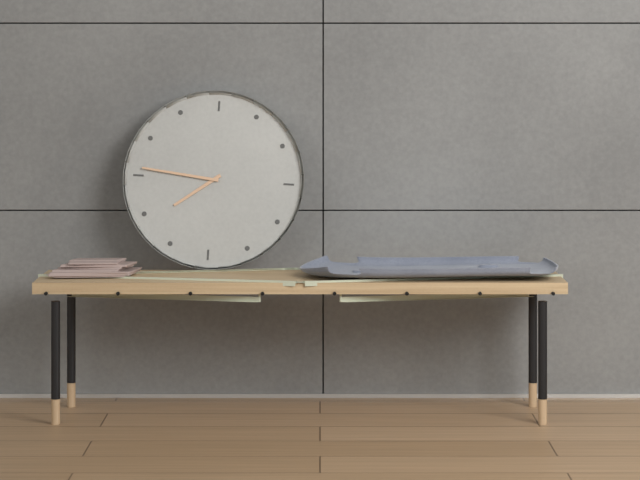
7 h 46 min
